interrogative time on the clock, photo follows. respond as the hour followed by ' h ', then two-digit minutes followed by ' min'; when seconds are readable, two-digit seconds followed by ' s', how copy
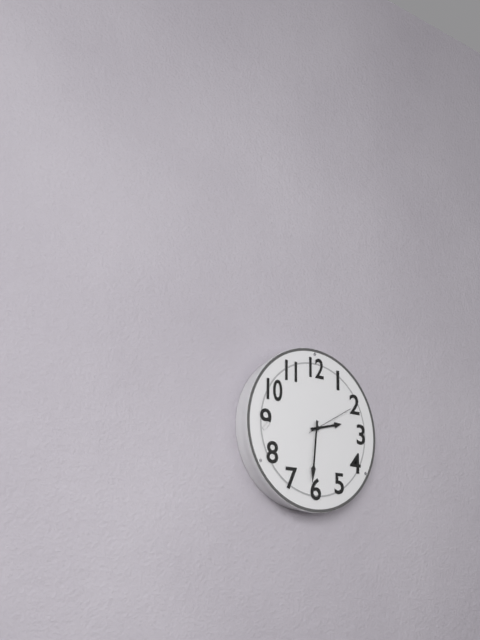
2 h 31 min
